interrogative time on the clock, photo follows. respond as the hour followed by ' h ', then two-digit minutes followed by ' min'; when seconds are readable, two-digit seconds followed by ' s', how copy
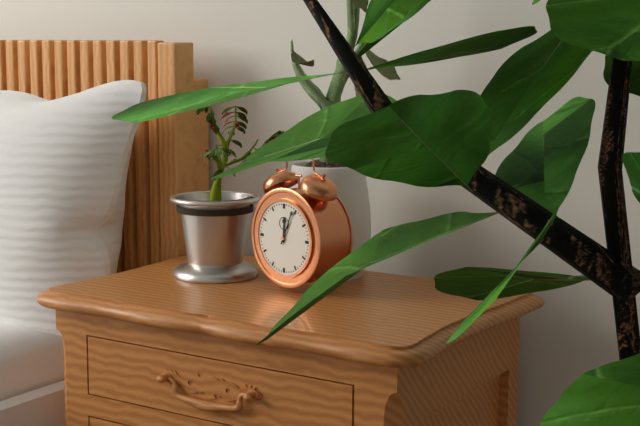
12 h 04 min
